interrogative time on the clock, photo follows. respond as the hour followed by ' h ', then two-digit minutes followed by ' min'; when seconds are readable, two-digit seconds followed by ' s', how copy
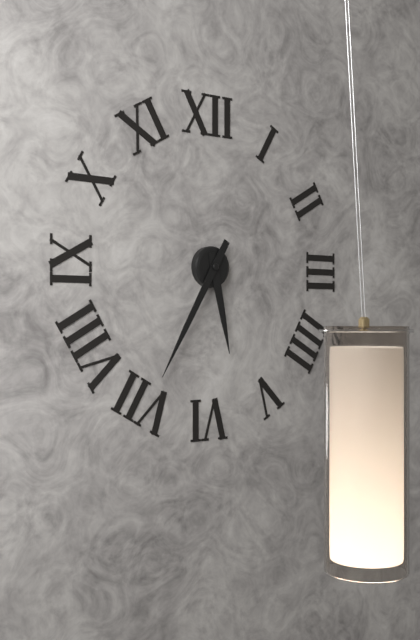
5 h 35 min
